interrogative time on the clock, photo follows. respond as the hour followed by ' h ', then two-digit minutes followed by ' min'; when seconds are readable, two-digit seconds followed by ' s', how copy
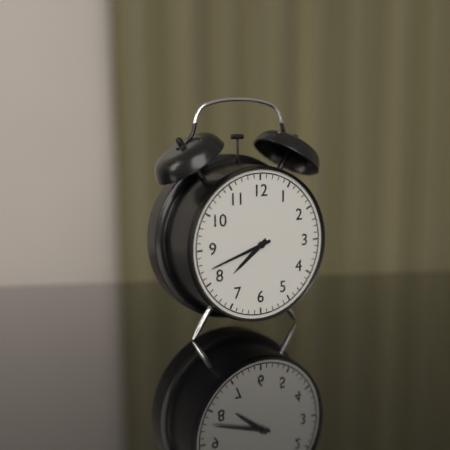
7 h 42 min
